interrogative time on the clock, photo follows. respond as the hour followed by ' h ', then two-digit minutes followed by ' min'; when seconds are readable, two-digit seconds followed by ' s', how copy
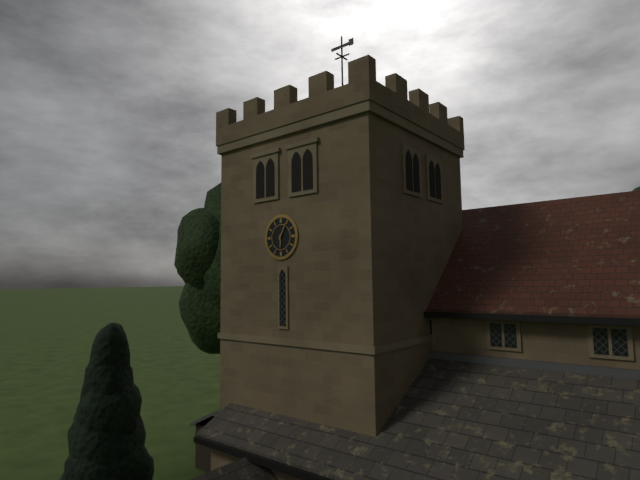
6 h 05 min
